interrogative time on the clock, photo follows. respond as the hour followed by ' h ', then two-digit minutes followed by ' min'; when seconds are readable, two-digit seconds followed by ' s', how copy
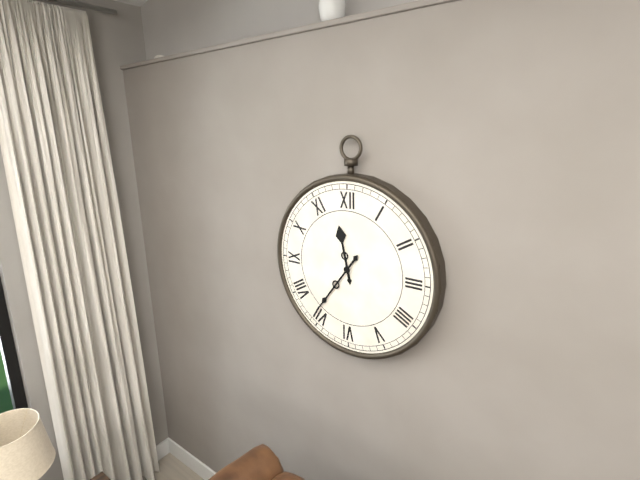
11 h 36 min
